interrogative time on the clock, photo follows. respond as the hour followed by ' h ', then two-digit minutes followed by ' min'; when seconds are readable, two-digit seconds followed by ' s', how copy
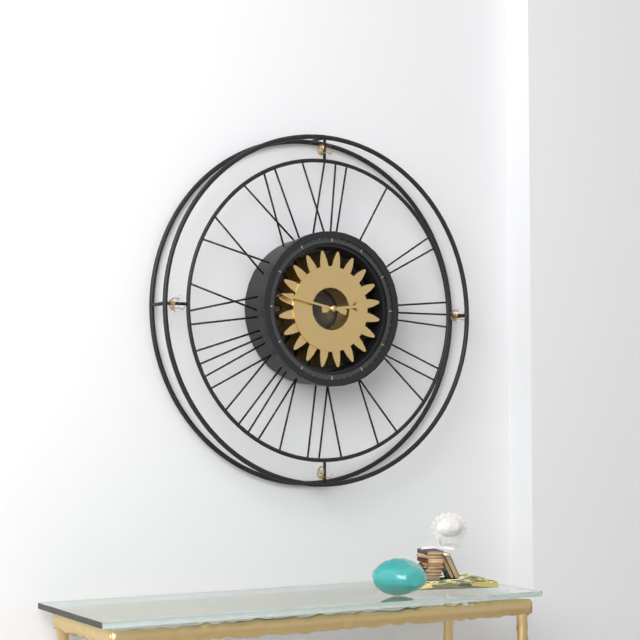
2 h 47 min
